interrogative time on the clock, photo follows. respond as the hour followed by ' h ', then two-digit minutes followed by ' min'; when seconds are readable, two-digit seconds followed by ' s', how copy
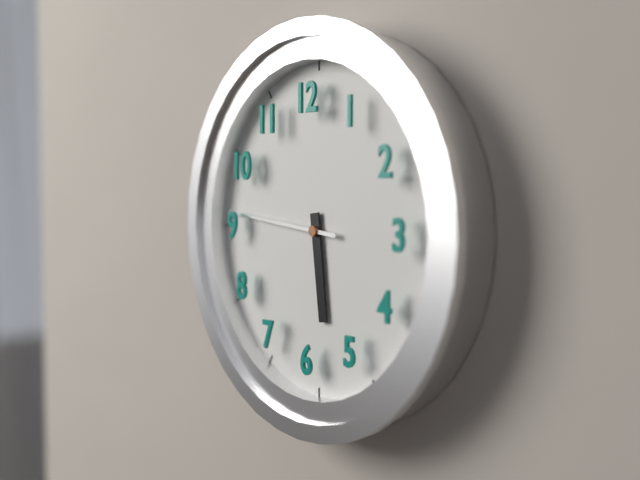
5 h 46 min
